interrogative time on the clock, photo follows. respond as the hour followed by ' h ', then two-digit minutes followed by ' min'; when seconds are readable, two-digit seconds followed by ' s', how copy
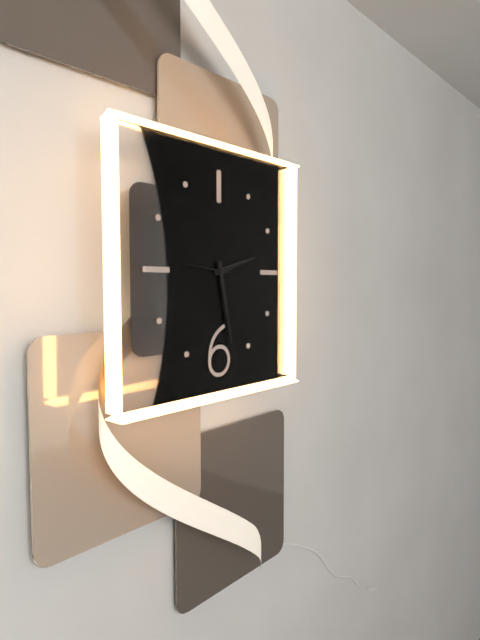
2 h 28 min
